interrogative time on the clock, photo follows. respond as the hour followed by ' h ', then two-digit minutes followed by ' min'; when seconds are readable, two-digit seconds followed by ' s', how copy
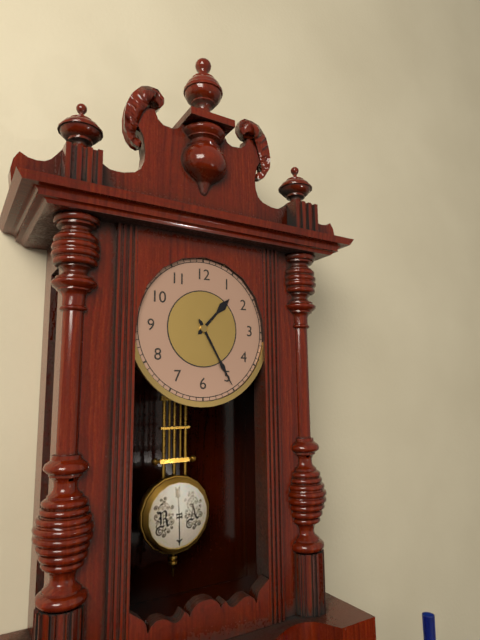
1 h 25 min
